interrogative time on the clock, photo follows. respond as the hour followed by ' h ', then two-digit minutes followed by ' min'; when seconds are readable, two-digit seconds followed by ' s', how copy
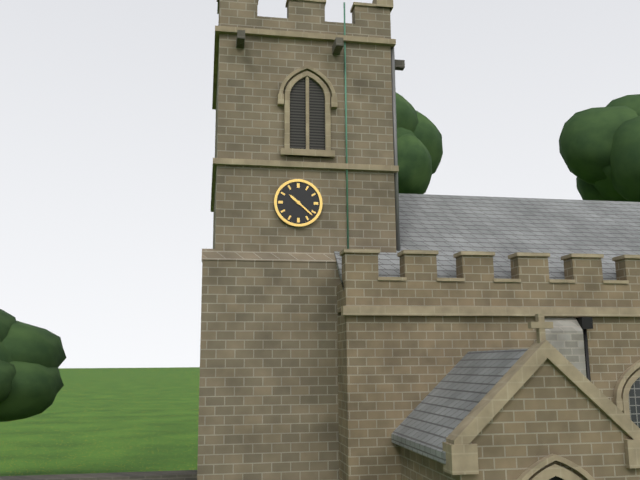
10 h 22 min
